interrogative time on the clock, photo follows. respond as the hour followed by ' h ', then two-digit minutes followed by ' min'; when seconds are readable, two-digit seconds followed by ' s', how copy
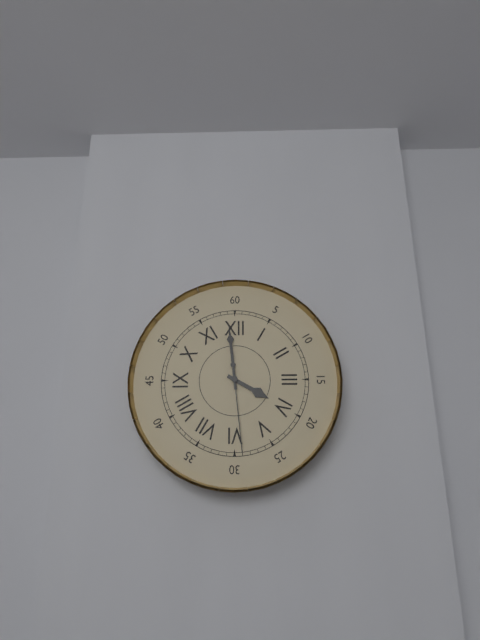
3 h 59 min 29 s
